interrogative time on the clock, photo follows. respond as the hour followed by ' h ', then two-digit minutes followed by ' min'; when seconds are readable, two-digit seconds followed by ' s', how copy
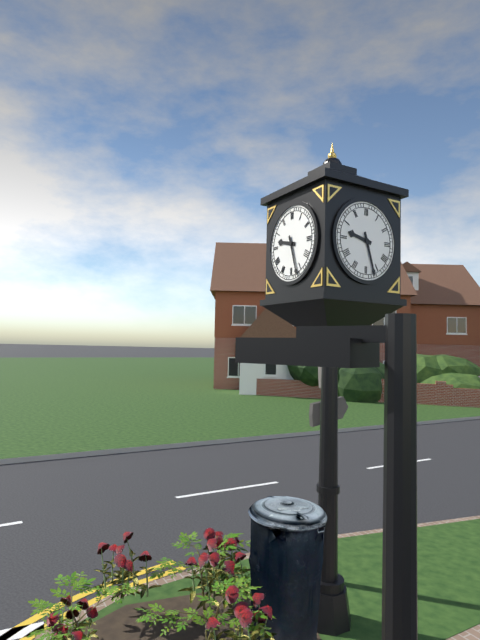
9 h 27 min
